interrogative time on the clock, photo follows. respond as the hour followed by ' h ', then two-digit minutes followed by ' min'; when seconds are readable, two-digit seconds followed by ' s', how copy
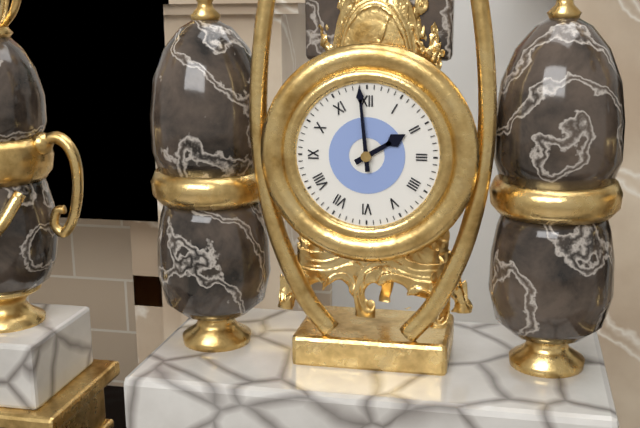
1 h 59 min
